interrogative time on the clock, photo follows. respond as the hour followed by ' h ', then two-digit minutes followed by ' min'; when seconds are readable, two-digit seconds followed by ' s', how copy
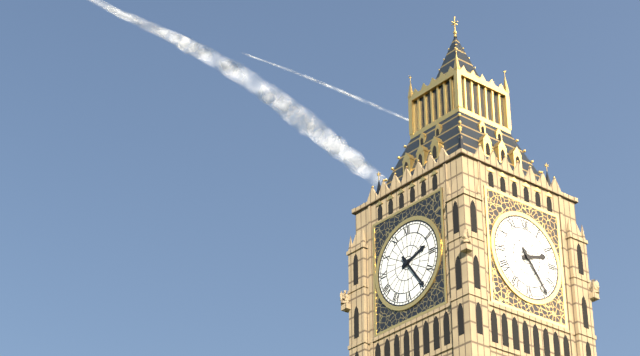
2 h 24 min
